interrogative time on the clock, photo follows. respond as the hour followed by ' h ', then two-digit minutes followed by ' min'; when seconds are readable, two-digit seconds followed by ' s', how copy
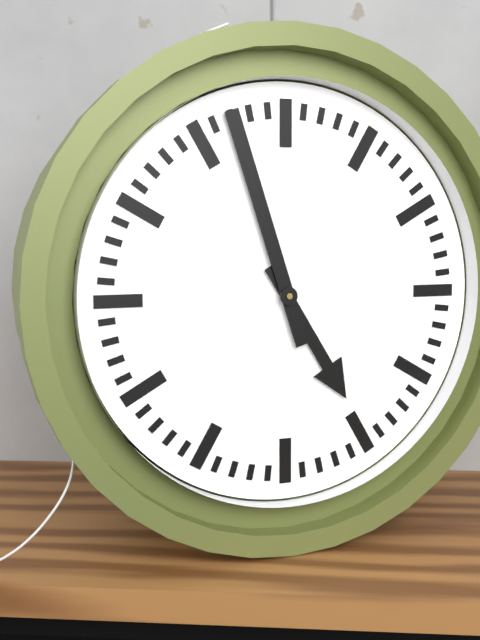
4 h 57 min
